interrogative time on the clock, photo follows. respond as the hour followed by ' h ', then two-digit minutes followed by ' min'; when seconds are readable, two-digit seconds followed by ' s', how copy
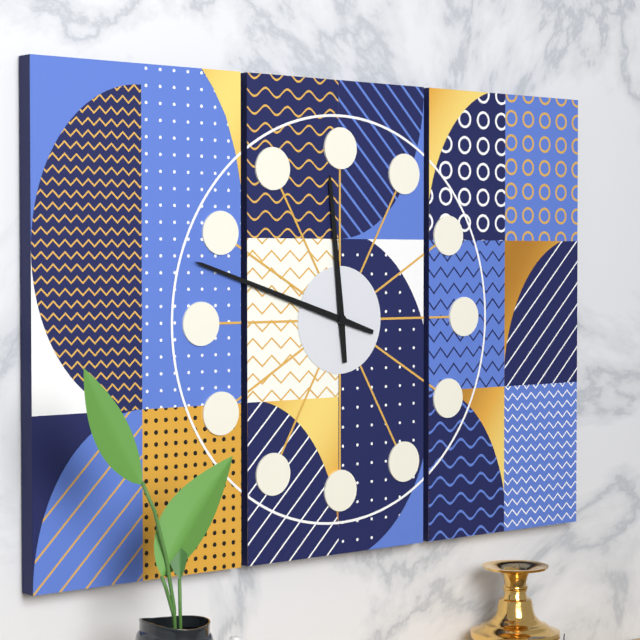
11 h 48 min
